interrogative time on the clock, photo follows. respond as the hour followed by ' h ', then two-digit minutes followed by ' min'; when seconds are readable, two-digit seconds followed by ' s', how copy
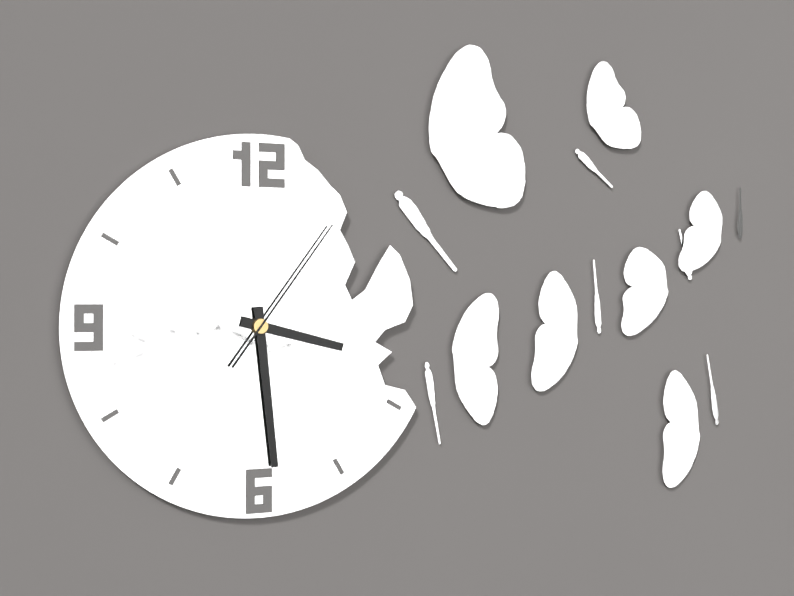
3 h 29 min 06 s
